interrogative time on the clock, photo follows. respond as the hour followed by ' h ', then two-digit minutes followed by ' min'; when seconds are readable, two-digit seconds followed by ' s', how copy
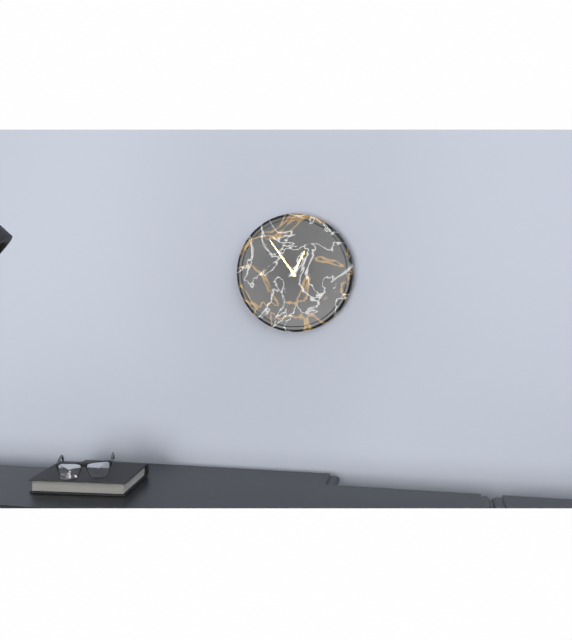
12 h 54 min
